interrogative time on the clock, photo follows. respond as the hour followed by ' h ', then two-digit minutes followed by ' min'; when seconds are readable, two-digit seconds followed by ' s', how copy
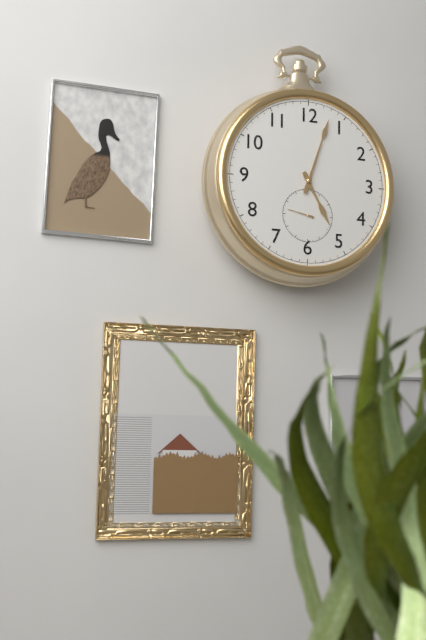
5 h 03 min
